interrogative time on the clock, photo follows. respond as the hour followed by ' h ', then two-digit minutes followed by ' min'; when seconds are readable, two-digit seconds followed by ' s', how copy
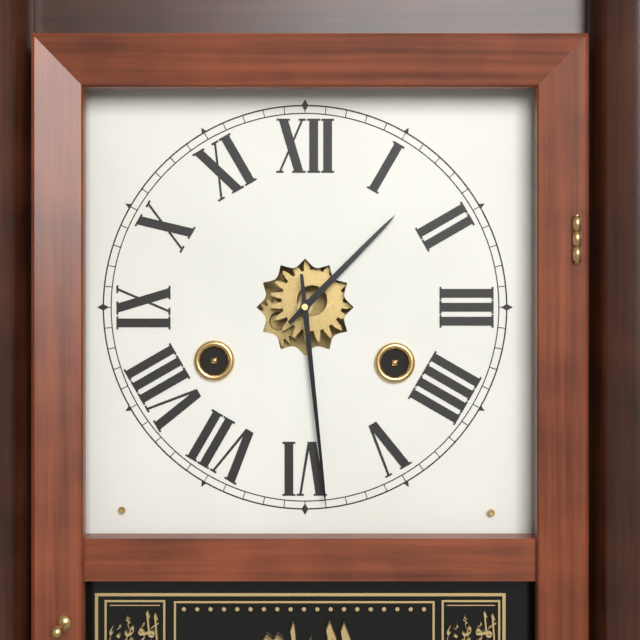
1 h 29 min
